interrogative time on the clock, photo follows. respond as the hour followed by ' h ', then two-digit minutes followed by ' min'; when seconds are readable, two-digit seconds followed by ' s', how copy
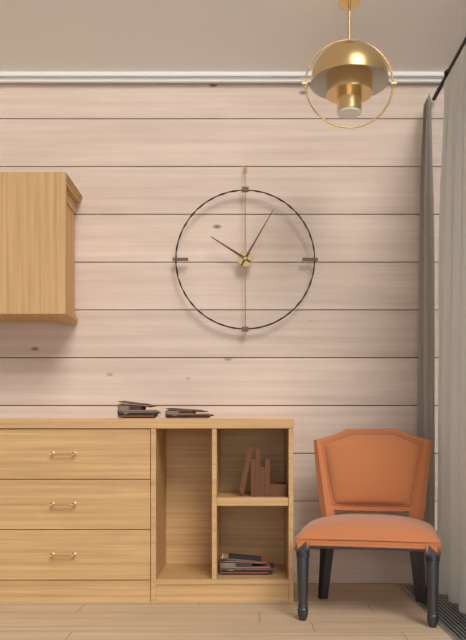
10 h 05 min
